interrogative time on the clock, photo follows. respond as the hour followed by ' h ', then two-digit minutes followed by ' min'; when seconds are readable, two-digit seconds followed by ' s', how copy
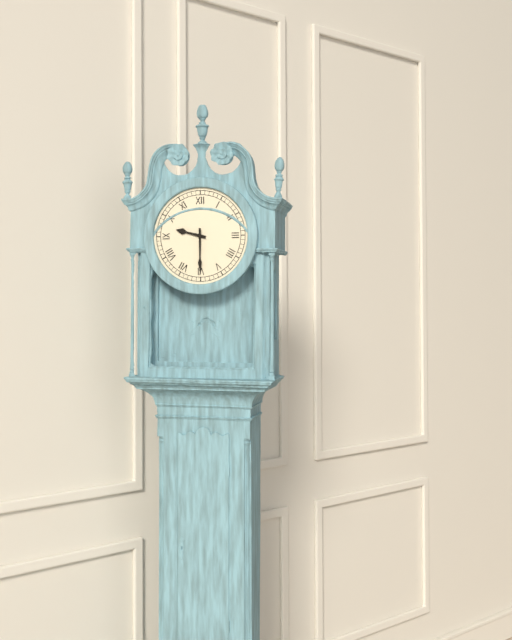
9 h 30 min
